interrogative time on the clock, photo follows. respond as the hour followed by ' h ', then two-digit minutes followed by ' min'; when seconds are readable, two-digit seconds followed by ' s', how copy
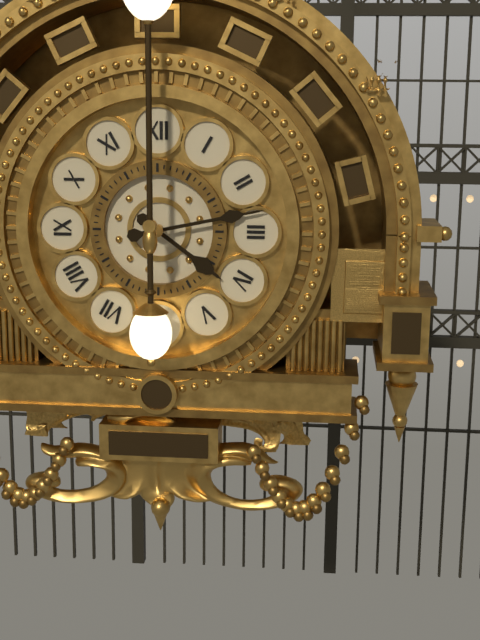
4 h 13 min
